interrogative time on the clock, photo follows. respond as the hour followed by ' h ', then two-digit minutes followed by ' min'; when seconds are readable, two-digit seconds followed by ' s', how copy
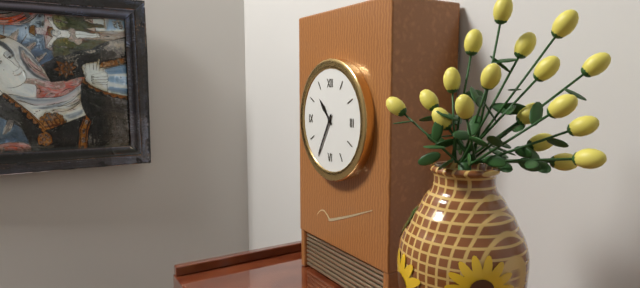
10 h 35 min
